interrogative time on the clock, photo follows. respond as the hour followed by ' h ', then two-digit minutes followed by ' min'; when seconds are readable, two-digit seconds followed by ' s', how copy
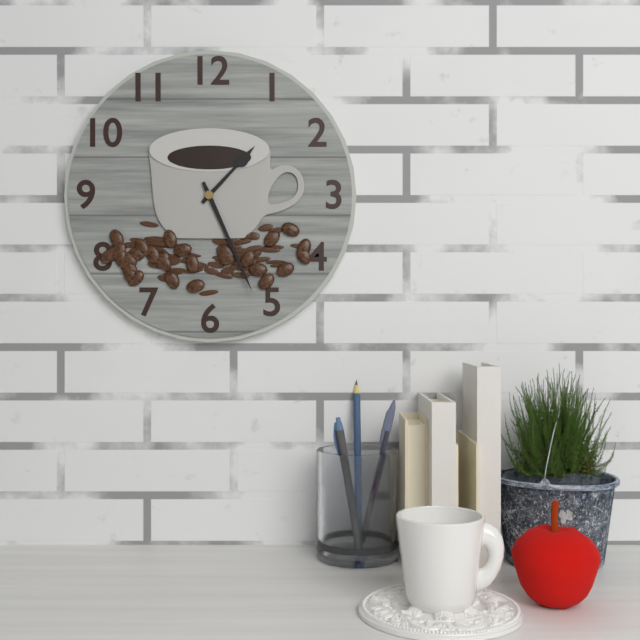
1 h 26 min
